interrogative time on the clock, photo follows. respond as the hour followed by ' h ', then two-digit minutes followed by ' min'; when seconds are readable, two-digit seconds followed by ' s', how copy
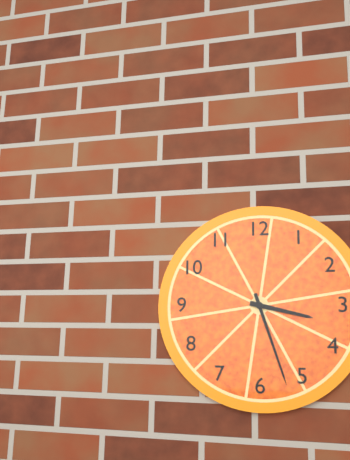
3 h 27 min
